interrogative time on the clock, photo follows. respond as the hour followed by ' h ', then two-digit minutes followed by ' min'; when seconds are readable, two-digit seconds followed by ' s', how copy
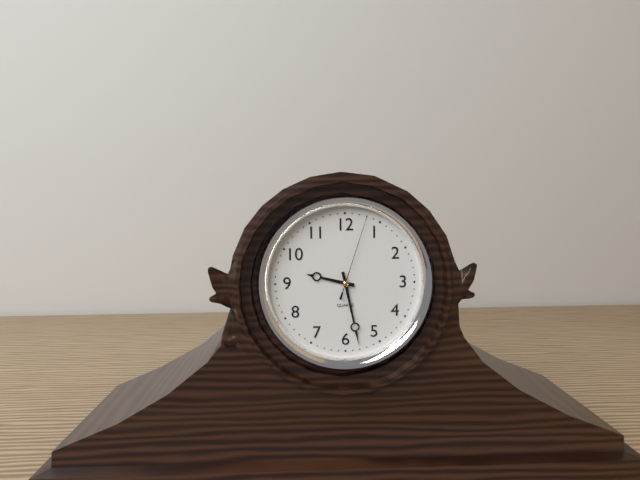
9 h 28 min 03 s
